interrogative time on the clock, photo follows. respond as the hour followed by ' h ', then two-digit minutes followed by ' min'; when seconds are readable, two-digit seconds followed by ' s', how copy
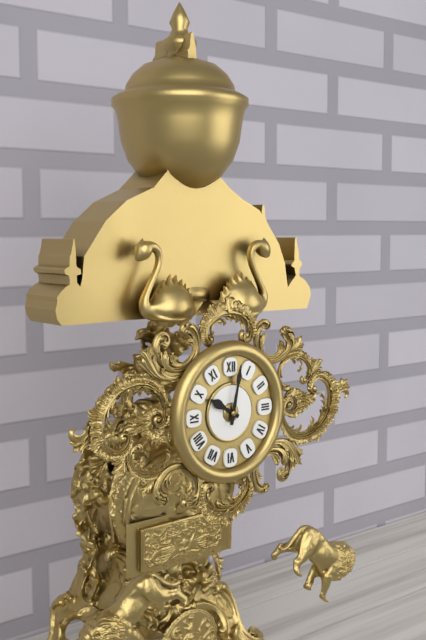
10 h 02 min
